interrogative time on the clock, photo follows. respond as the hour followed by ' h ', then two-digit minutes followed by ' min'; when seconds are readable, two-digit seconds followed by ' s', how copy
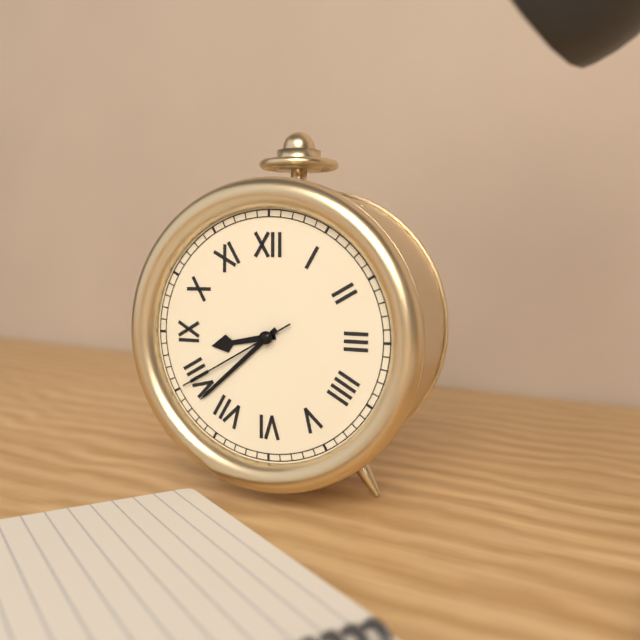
8 h 38 min 40 s
